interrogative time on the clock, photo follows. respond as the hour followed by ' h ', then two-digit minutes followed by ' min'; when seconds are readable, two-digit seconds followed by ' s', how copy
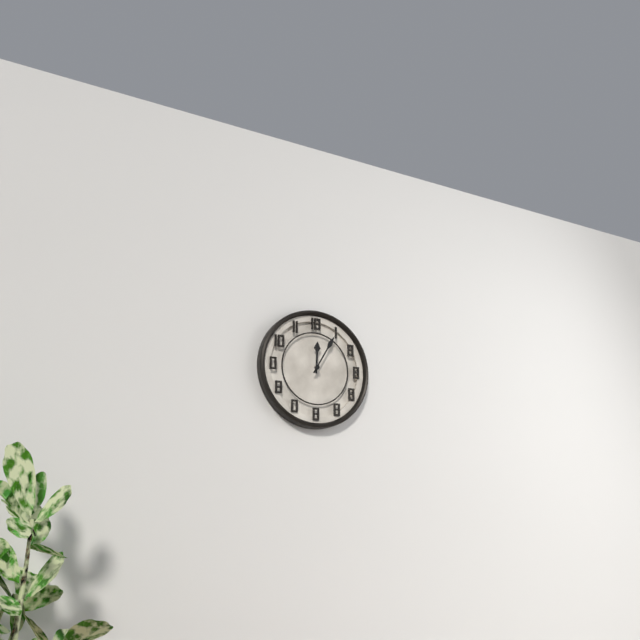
12 h 05 min
